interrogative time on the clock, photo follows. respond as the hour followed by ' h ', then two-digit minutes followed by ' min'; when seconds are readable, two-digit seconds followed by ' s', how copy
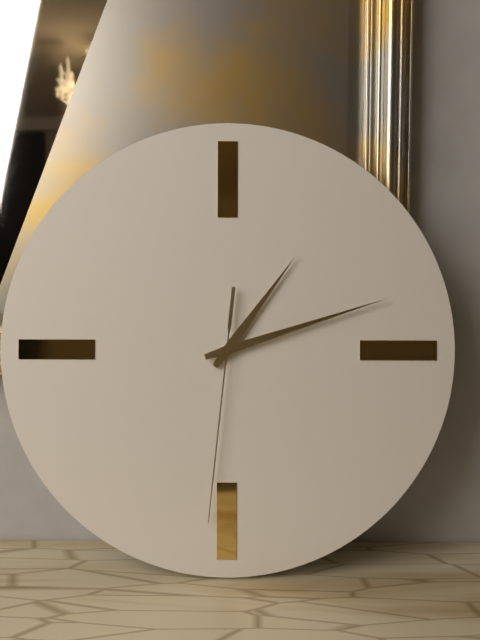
1 h 12 min 31 s
